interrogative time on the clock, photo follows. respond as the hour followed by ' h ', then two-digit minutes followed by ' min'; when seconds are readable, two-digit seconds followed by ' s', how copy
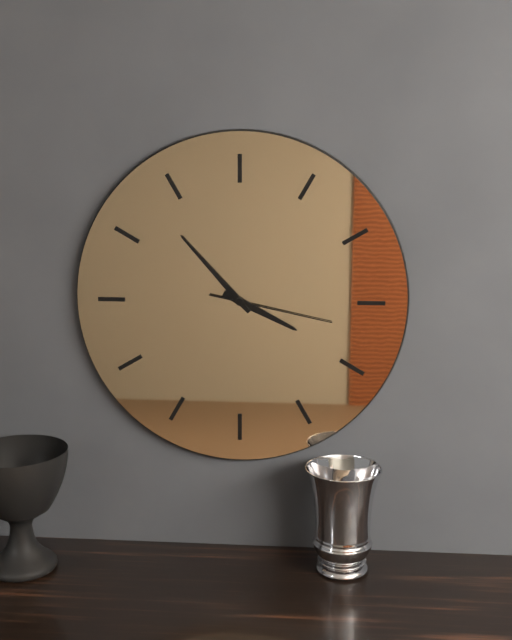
3 h 53 min 17 s
